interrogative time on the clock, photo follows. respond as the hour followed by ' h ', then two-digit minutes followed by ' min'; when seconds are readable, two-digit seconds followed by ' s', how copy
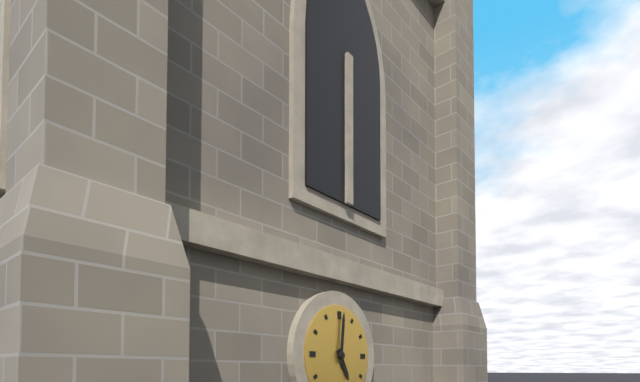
5 h 01 min
